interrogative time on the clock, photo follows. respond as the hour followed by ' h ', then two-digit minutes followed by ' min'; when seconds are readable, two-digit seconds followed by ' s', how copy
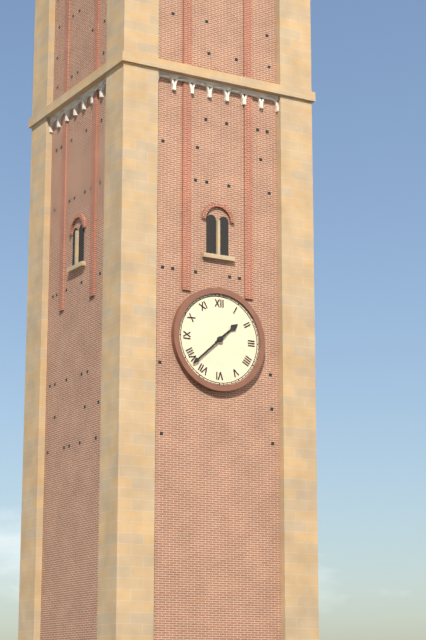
1 h 38 min
